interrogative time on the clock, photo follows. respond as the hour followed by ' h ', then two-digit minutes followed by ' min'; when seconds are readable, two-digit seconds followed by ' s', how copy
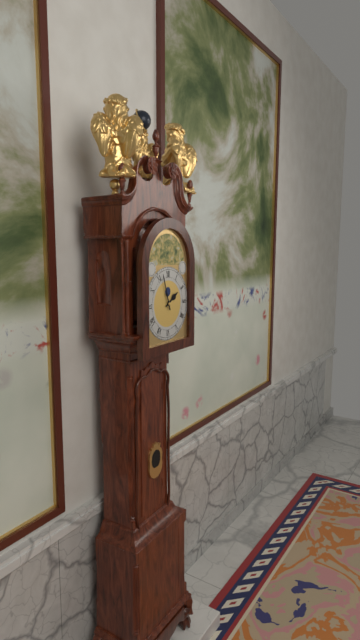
1 h 57 min
